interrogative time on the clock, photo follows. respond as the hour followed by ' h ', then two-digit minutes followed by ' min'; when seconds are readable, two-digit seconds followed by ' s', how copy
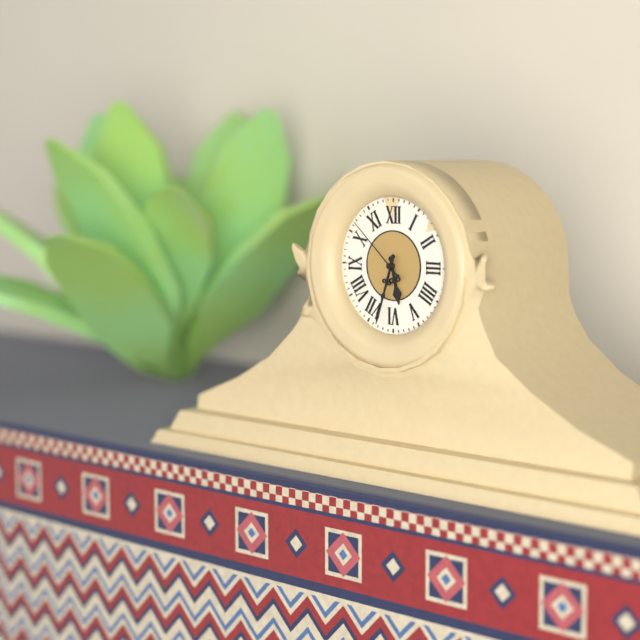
5 h 33 min 52 s
